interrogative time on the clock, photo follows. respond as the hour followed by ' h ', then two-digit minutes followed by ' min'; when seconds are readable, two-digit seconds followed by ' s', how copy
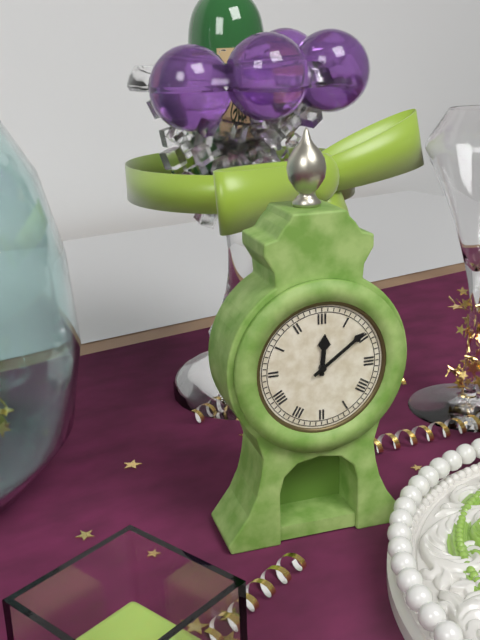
12 h 09 min
